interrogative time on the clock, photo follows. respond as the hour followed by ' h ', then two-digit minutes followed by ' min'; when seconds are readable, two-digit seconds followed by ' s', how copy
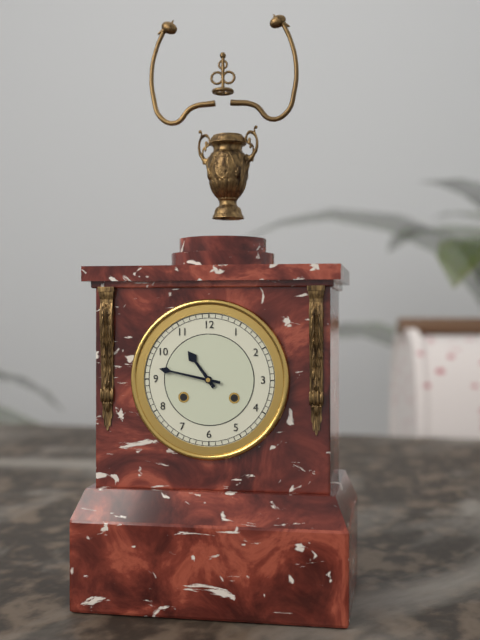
10 h 47 min
